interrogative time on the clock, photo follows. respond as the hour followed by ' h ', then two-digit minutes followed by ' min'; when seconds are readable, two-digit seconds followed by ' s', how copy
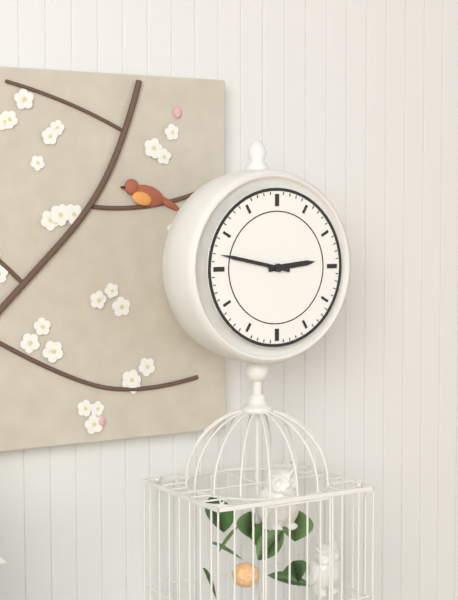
2 h 47 min
